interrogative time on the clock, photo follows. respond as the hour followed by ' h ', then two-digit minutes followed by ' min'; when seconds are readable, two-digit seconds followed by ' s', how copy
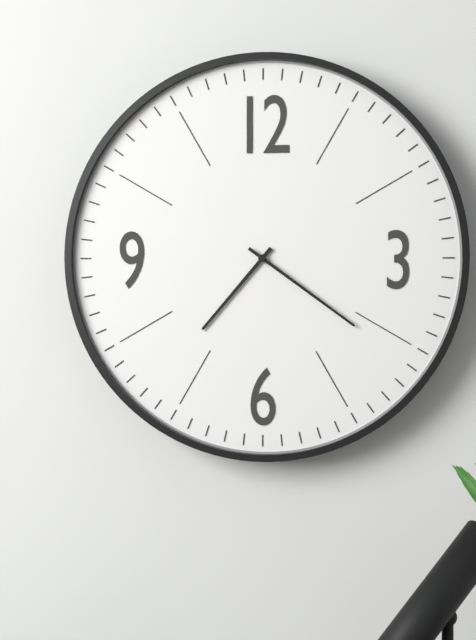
7 h 21 min
